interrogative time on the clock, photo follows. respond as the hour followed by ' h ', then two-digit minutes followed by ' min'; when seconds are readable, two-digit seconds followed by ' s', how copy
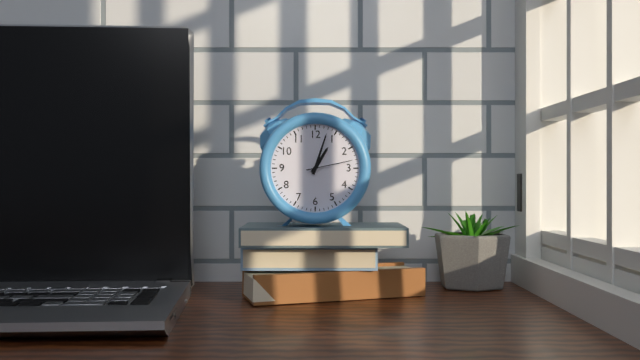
1 h 03 min
